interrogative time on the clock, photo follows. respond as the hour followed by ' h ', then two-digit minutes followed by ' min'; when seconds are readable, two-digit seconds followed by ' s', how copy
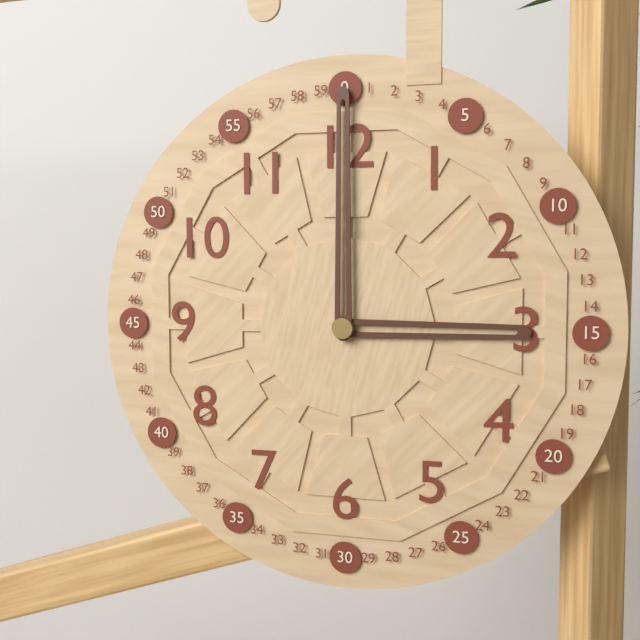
3 h 00 min
